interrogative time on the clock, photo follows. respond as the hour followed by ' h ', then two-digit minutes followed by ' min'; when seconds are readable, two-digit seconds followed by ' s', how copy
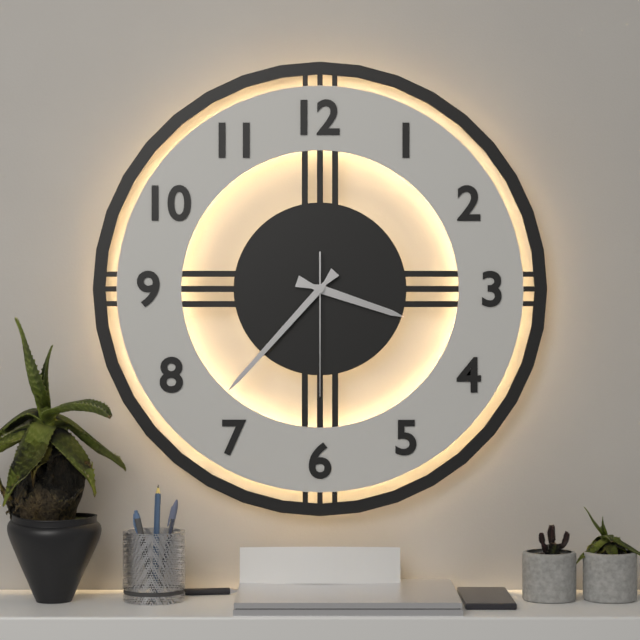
3 h 37 min 30 s
